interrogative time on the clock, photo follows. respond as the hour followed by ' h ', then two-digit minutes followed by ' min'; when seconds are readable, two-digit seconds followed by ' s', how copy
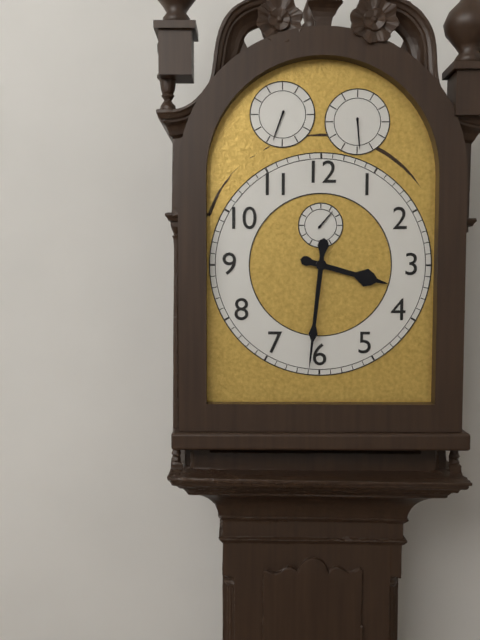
3 h 31 min
